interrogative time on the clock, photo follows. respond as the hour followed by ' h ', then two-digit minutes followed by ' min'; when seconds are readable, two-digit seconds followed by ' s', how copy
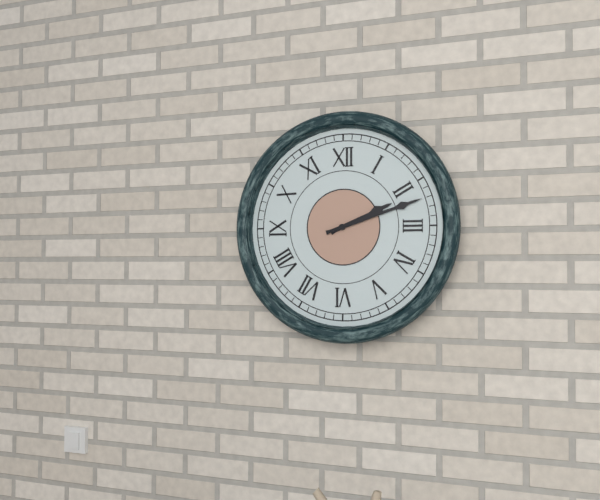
2 h 12 min
